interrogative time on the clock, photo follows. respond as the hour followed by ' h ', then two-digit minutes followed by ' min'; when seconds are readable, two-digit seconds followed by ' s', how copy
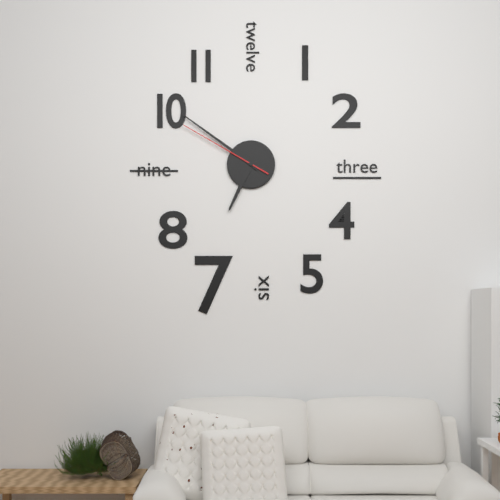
6 h 51 min 50 s
